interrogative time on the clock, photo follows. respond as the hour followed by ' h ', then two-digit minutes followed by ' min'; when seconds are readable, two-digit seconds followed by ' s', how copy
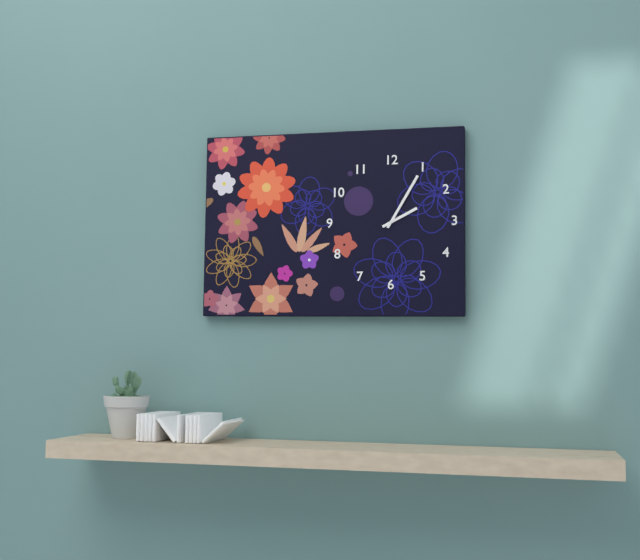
2 h 05 min
